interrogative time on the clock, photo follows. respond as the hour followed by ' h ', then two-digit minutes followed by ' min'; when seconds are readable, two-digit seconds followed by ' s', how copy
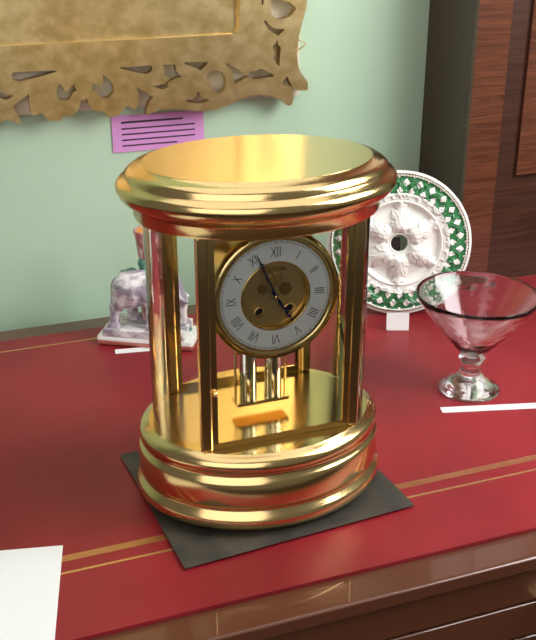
4 h 56 min
